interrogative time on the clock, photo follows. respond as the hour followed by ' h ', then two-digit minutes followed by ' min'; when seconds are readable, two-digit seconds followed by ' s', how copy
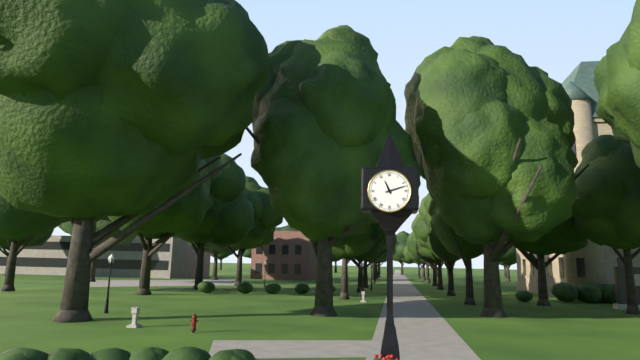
11 h 12 min
